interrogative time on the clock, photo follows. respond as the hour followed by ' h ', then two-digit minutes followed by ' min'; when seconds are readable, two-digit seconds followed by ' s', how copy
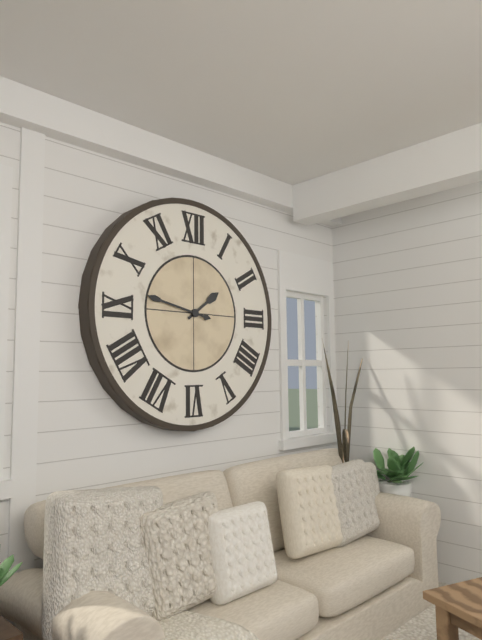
1 h 47 min
